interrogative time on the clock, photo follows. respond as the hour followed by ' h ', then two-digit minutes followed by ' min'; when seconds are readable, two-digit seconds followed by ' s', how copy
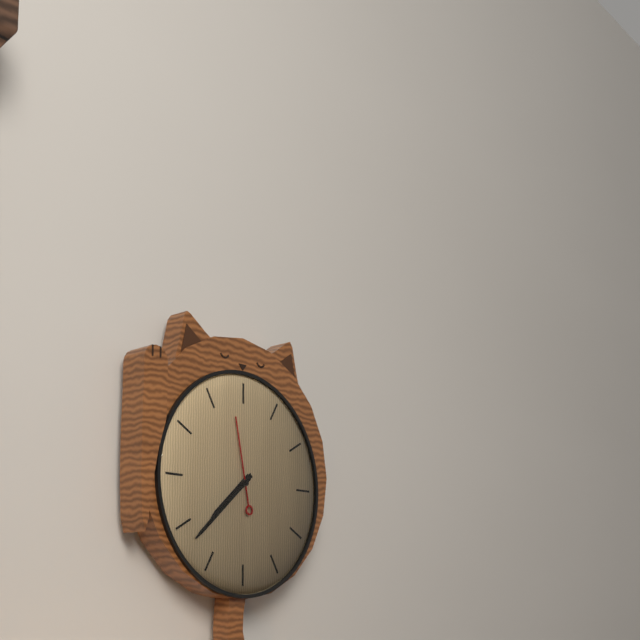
7 h 38 min 58 s
